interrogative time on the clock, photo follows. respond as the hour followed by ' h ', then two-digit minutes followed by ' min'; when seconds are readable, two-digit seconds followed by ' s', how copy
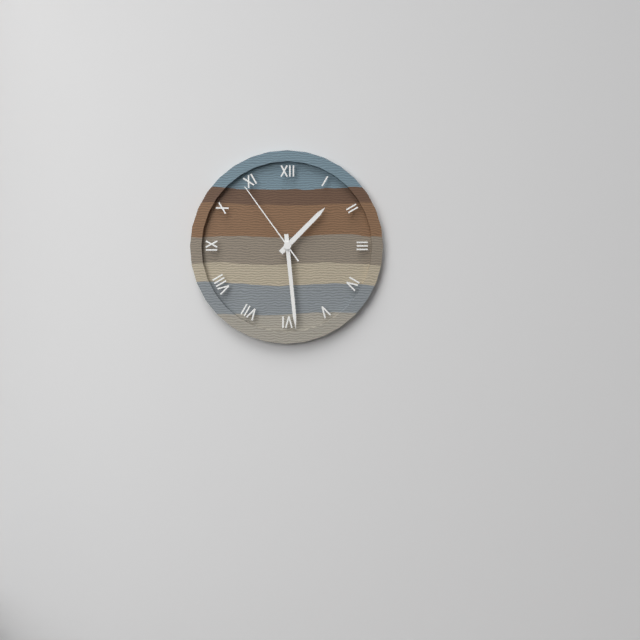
1 h 29 min 54 s
